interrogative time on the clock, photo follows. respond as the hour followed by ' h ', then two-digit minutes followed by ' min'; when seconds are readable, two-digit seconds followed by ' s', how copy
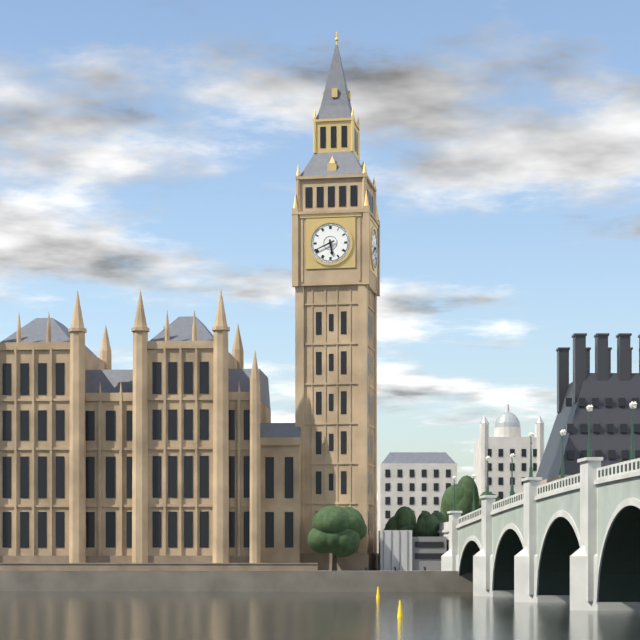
5 h 41 min
